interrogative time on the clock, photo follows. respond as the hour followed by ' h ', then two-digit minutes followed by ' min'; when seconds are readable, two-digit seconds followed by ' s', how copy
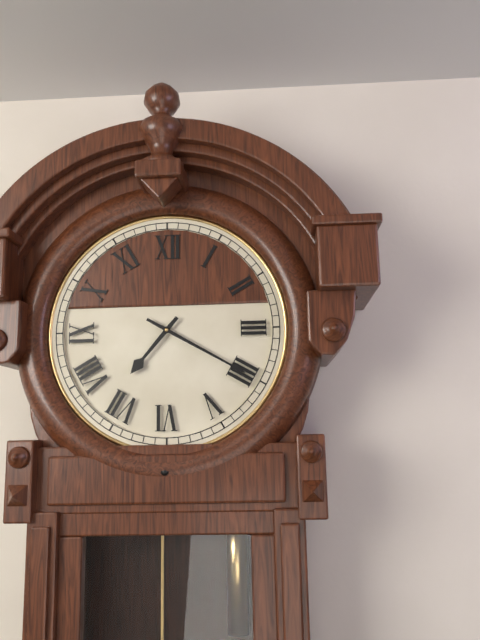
7 h 20 min
